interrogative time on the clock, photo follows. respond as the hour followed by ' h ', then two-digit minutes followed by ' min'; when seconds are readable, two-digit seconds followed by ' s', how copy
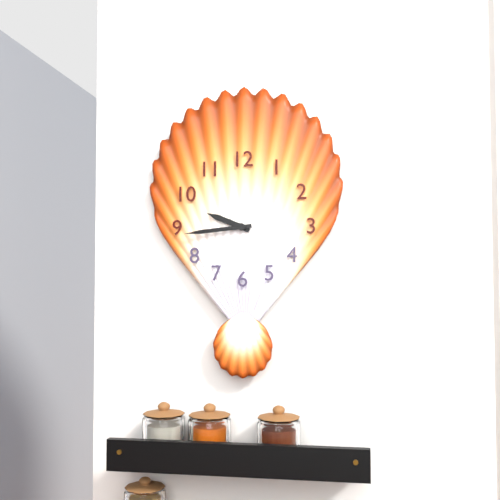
9 h 44 min
